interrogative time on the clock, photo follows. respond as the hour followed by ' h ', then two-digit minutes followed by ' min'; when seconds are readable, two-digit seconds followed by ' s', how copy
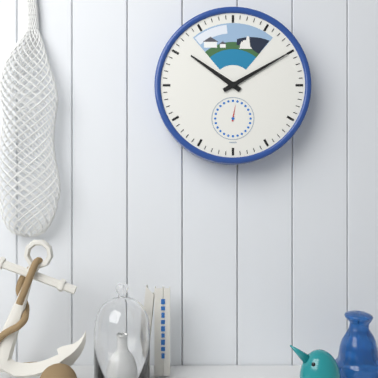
10 h 10 min
